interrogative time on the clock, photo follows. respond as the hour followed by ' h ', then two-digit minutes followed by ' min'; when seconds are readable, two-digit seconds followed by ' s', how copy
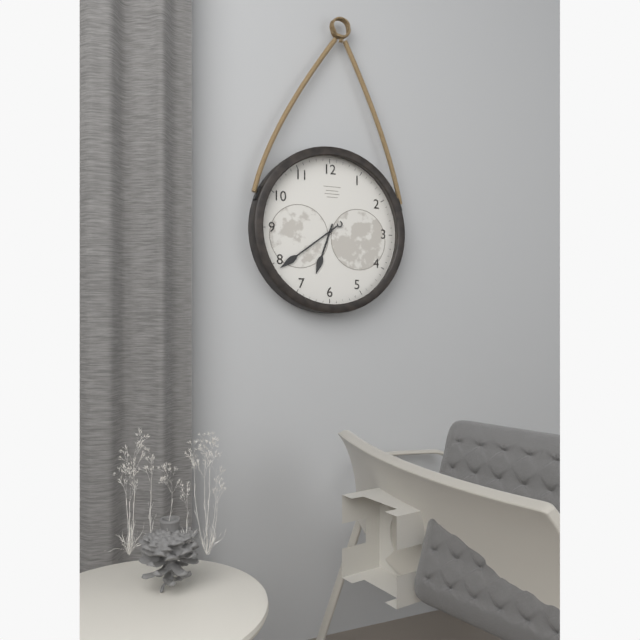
6 h 39 min
